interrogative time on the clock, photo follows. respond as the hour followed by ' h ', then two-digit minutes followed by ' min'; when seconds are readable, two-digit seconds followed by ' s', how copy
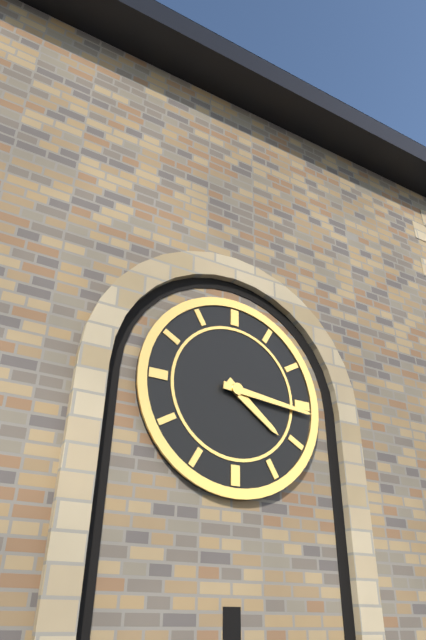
4 h 16 min
